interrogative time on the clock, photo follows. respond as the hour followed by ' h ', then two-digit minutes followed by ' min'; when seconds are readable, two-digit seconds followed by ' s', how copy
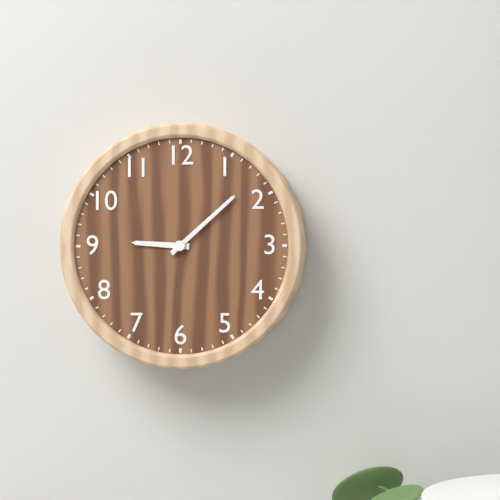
9 h 08 min
